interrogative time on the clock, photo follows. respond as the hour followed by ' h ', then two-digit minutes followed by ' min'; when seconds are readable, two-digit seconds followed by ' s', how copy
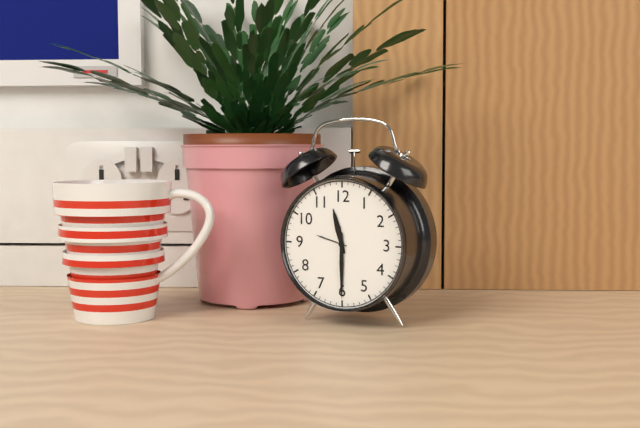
11 h 30 min
